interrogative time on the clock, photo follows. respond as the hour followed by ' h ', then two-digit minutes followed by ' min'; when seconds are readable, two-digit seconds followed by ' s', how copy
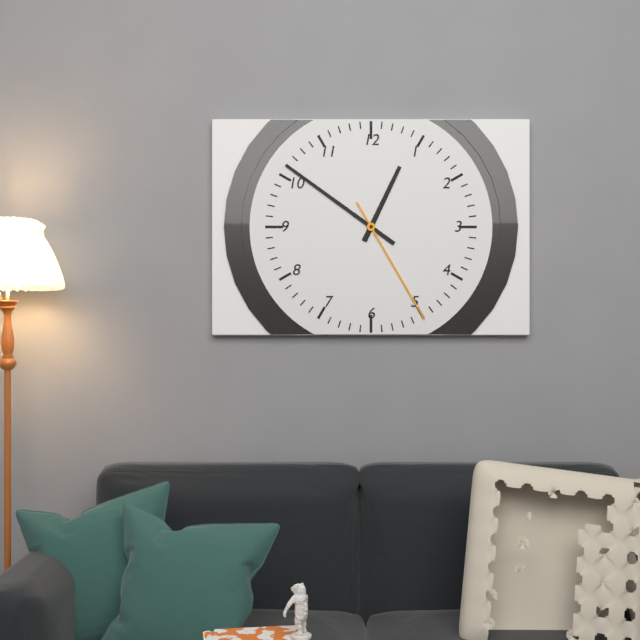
12 h 51 min 25 s
